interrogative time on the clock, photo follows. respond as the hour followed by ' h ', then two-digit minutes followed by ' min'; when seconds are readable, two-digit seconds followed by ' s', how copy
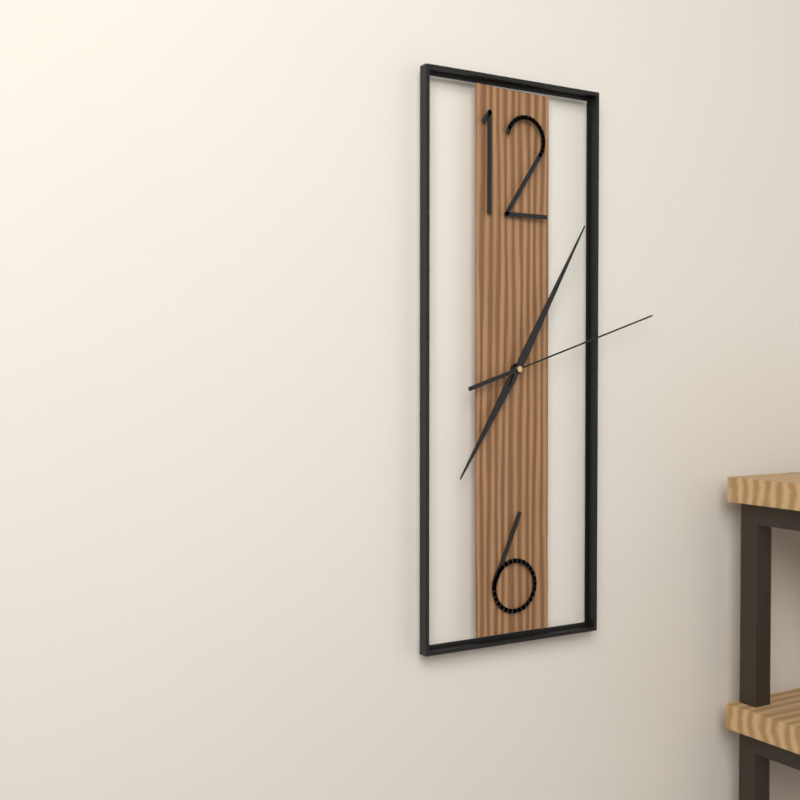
7 h 05 min 12 s
